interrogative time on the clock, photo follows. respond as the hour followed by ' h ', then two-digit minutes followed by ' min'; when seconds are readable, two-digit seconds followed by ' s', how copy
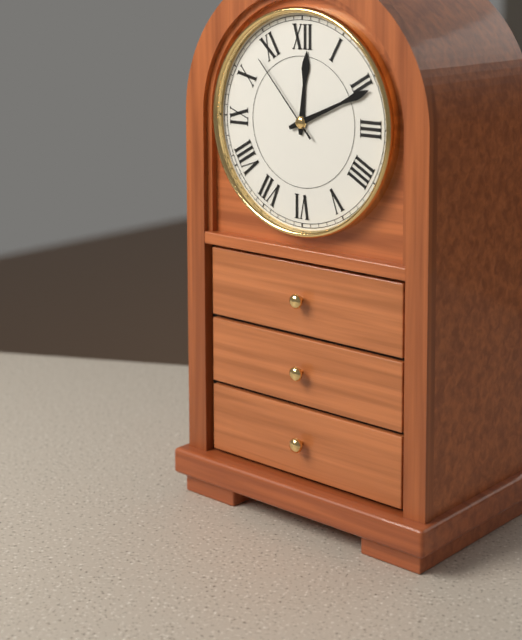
12 h 11 min 53 s
